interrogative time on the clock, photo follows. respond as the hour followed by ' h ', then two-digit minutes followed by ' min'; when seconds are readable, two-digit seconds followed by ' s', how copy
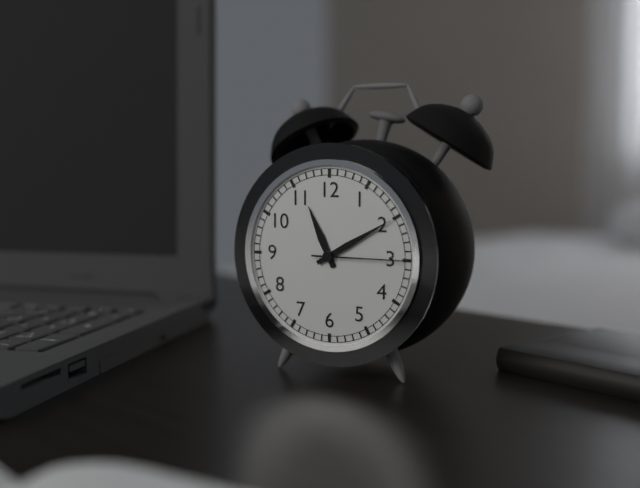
11 h 10 min 15 s
